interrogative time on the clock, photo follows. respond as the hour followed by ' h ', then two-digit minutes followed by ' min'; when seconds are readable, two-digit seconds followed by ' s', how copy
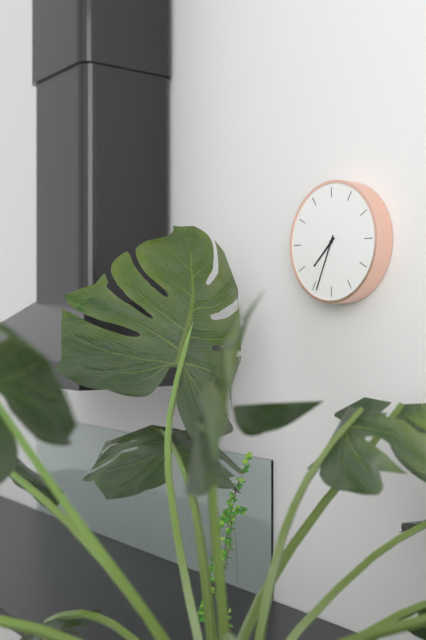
7 h 34 min
